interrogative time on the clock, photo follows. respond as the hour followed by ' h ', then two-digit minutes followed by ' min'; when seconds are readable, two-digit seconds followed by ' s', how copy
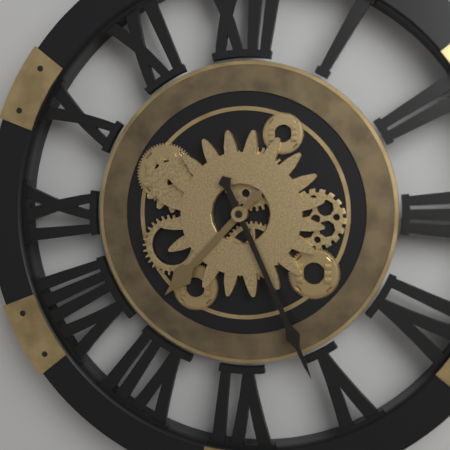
7 h 26 min
